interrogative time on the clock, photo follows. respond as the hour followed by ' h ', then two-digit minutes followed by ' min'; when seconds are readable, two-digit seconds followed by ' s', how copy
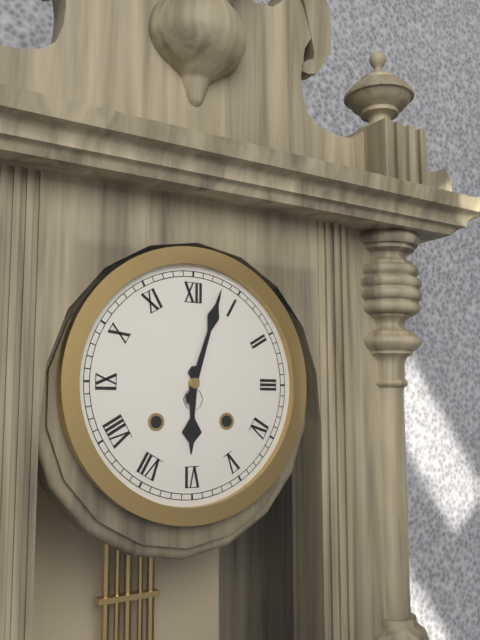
6 h 03 min
